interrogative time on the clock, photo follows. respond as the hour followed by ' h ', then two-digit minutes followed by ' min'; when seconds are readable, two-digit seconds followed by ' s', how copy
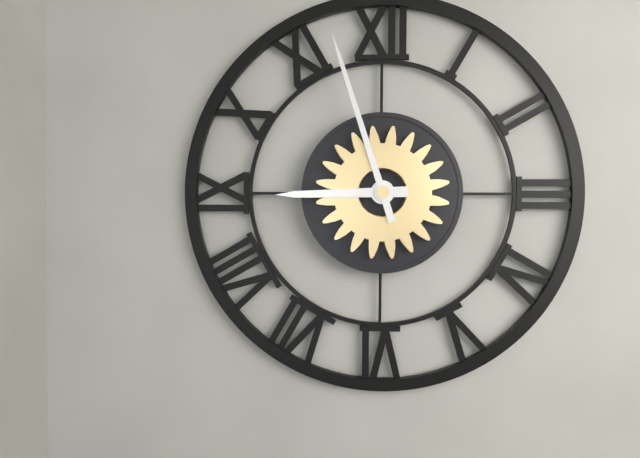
8 h 57 min
